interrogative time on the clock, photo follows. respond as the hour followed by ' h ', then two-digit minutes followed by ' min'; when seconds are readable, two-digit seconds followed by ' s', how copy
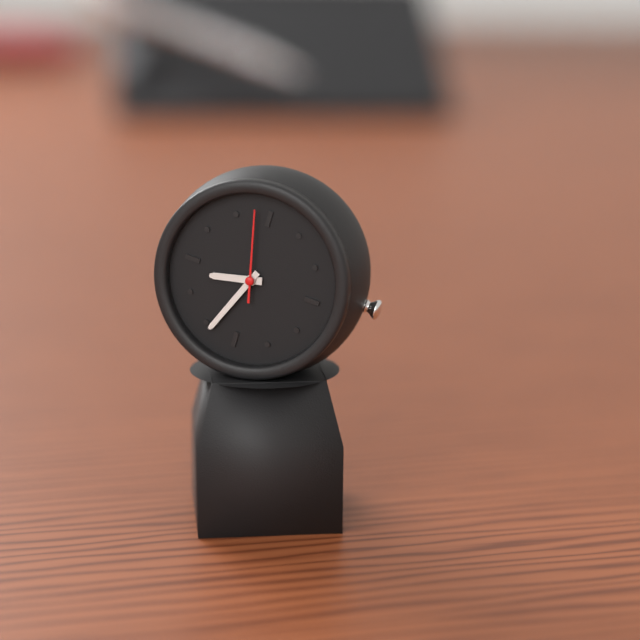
8 h 34 min 58 s
